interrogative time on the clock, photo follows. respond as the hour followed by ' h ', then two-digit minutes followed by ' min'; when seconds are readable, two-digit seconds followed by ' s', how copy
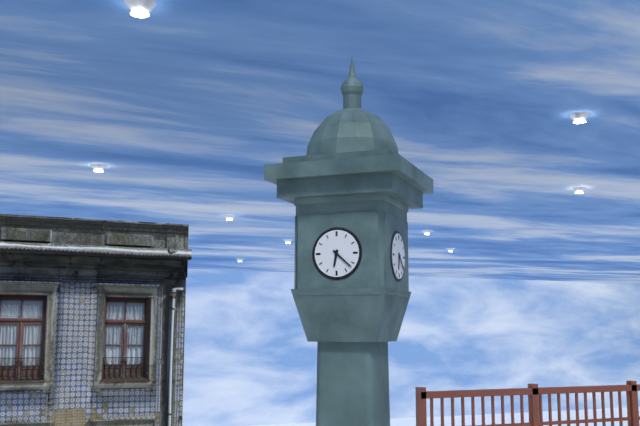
6 h 22 min
